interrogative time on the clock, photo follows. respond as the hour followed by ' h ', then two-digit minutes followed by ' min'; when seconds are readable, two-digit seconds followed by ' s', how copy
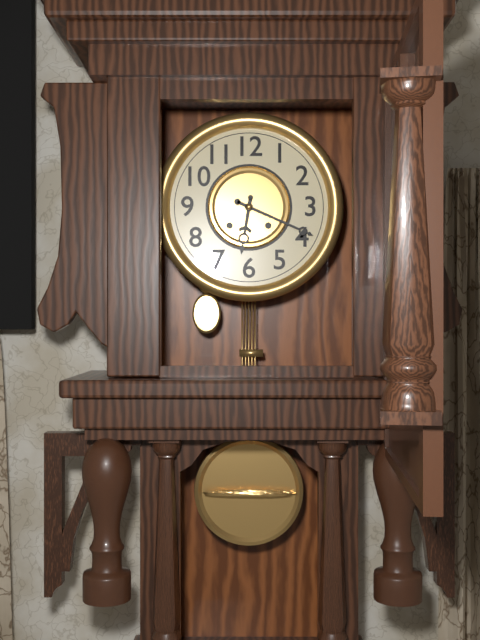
6 h 19 min
